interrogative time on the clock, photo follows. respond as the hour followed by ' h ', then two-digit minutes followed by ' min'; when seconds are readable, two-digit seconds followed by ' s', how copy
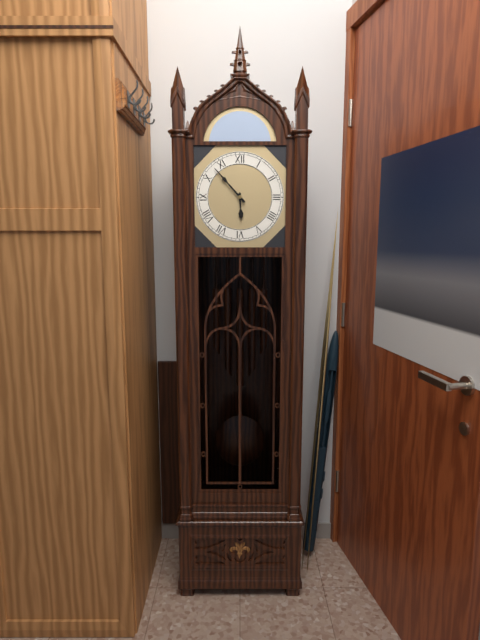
5 h 53 min
